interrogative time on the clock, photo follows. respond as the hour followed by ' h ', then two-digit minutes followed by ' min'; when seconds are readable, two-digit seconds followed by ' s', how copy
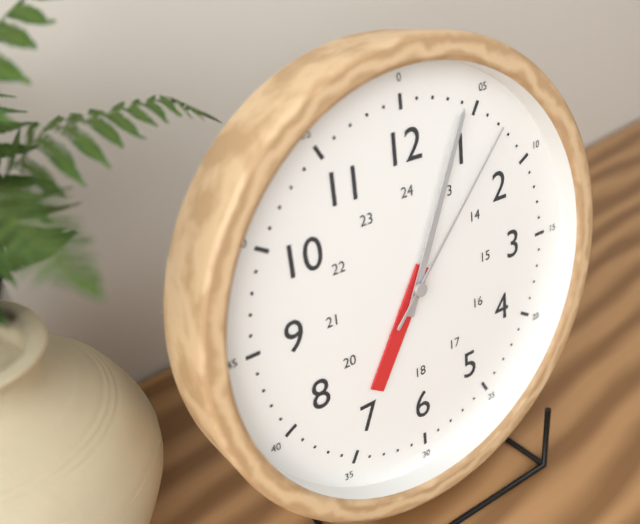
7 h 04 min 07 s
